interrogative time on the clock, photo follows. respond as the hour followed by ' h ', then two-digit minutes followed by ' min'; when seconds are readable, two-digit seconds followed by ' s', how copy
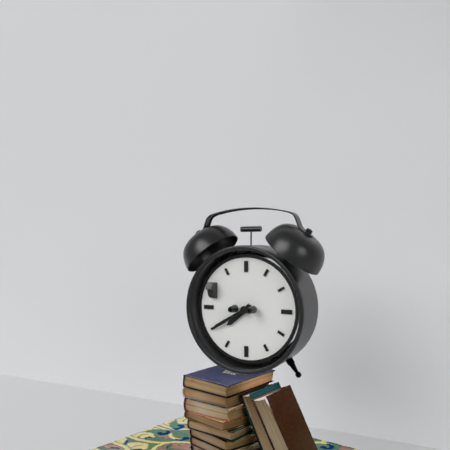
7 h 40 min
